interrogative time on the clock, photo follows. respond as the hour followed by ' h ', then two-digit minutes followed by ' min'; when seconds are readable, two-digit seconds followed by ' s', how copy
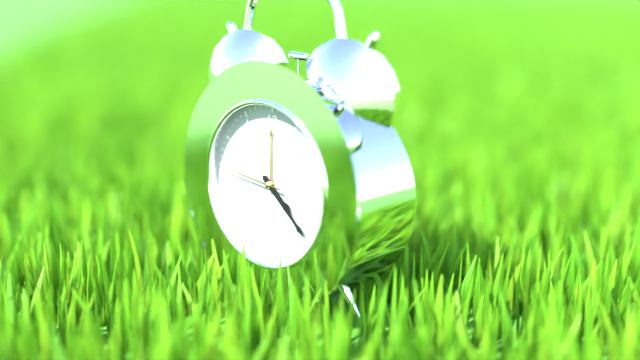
4 h 22 min 46 s
